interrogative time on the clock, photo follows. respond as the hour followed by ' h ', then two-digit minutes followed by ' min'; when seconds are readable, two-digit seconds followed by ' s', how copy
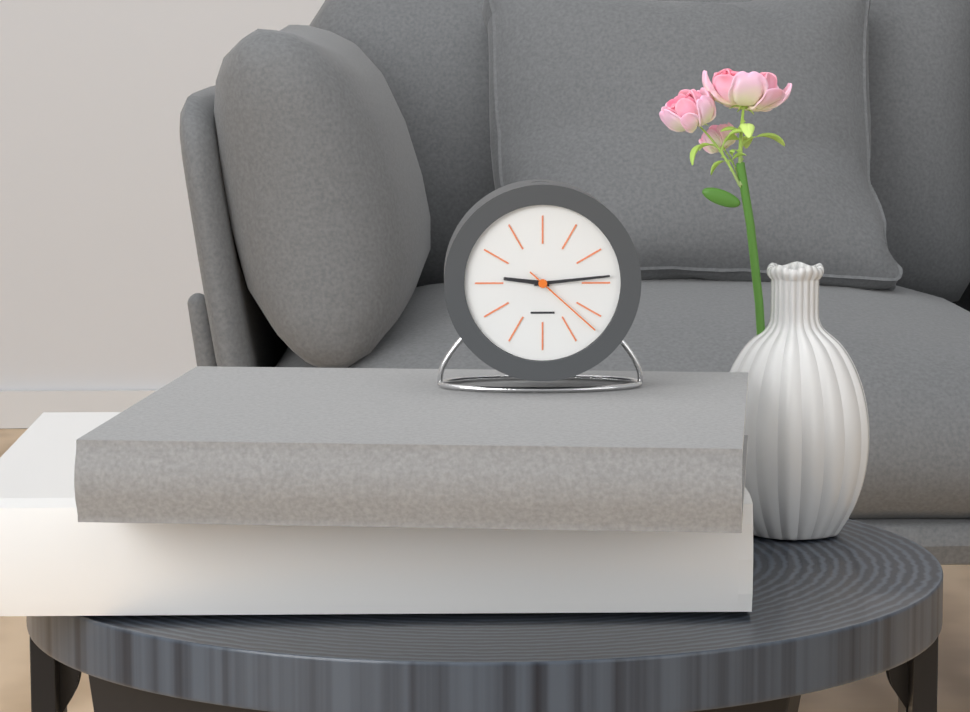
9 h 14 min 22 s
